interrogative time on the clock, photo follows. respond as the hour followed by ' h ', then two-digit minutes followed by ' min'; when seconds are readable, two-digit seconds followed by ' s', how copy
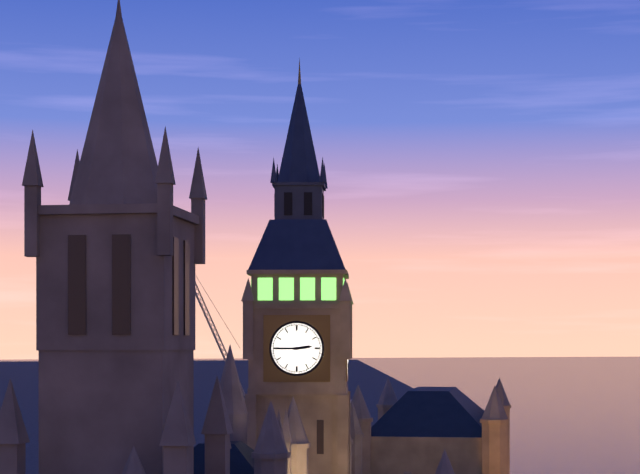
2 h 45 min
